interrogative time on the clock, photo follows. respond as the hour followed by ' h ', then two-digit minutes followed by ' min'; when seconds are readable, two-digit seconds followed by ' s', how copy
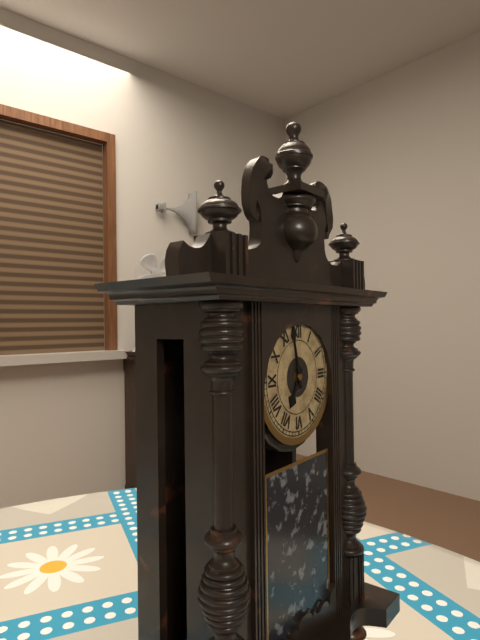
6 h 58 min
